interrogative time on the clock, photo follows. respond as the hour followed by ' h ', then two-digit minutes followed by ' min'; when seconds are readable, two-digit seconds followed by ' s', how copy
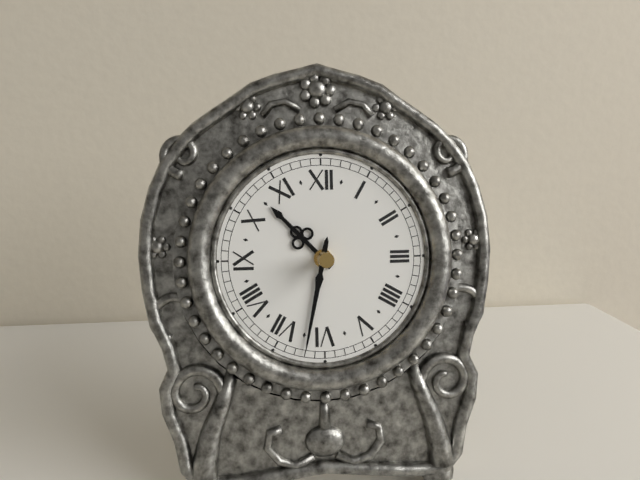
10 h 32 min
